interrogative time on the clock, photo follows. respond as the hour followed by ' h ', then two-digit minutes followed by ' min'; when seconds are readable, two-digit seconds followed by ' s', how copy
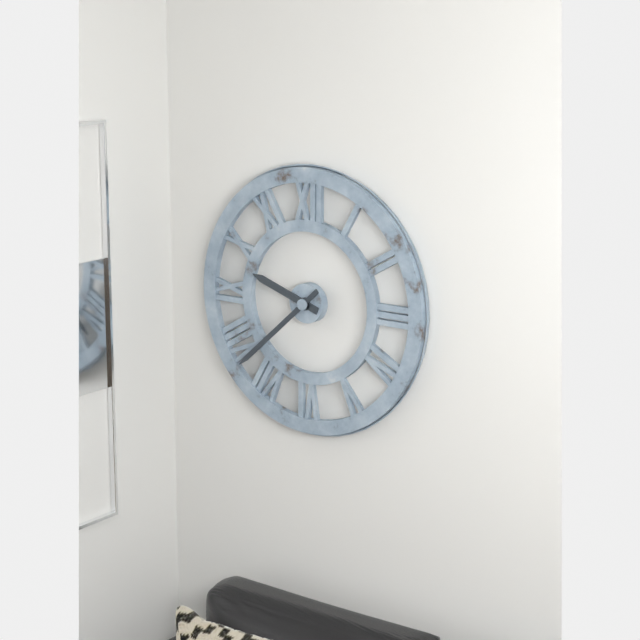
9 h 38 min
